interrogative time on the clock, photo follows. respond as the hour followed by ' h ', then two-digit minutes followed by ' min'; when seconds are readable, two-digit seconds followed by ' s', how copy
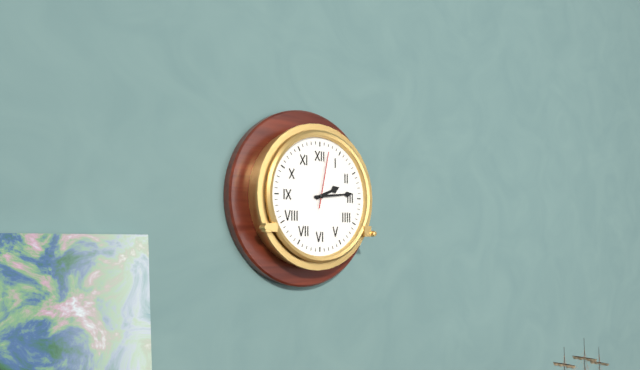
2 h 14 min 02 s
